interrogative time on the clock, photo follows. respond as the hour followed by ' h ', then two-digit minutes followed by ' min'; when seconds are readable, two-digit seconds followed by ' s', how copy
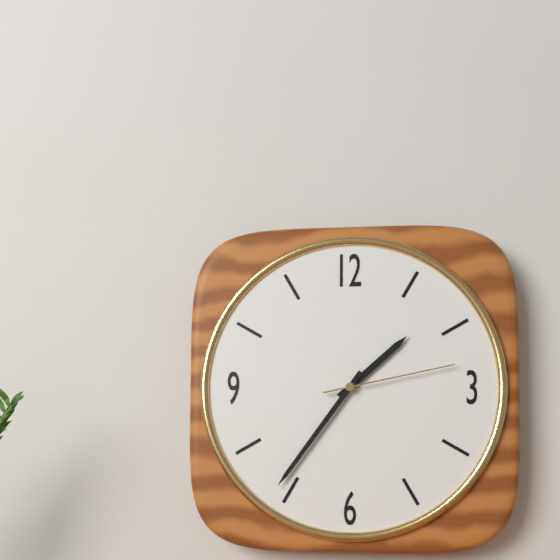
1 h 36 min 13 s
